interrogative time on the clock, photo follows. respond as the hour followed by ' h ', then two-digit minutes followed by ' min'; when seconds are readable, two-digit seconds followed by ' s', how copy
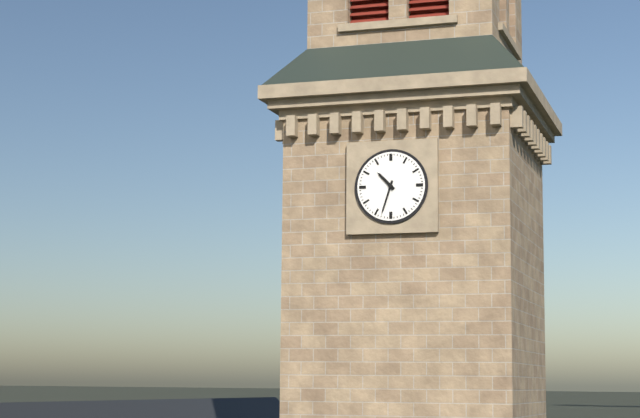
10 h 33 min
